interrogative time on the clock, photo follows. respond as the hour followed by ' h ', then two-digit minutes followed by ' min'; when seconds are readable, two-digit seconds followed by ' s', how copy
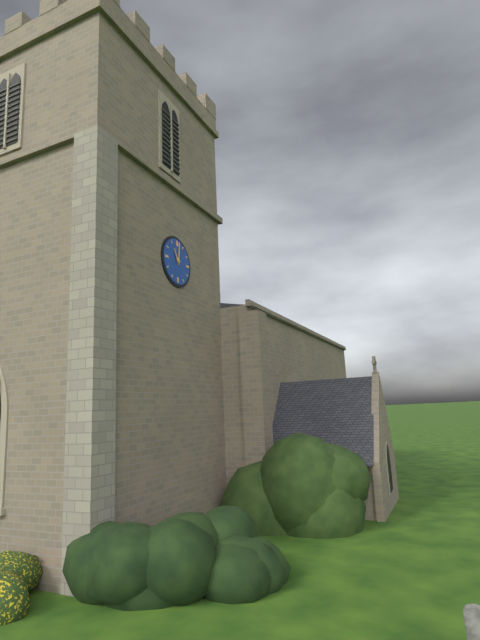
11 h 01 min
